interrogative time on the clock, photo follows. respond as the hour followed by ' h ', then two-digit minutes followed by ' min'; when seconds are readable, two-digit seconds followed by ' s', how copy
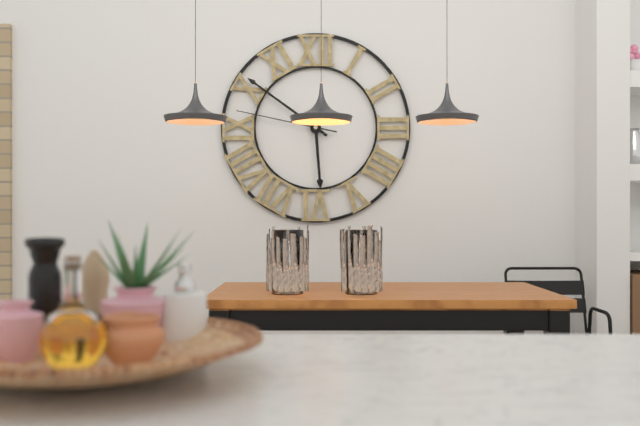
5 h 51 min 47 s
